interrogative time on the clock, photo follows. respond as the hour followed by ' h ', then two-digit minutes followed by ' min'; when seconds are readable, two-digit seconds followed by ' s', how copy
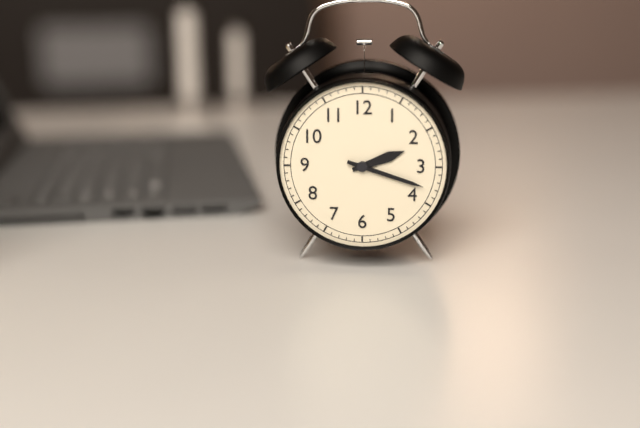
2 h 18 min
